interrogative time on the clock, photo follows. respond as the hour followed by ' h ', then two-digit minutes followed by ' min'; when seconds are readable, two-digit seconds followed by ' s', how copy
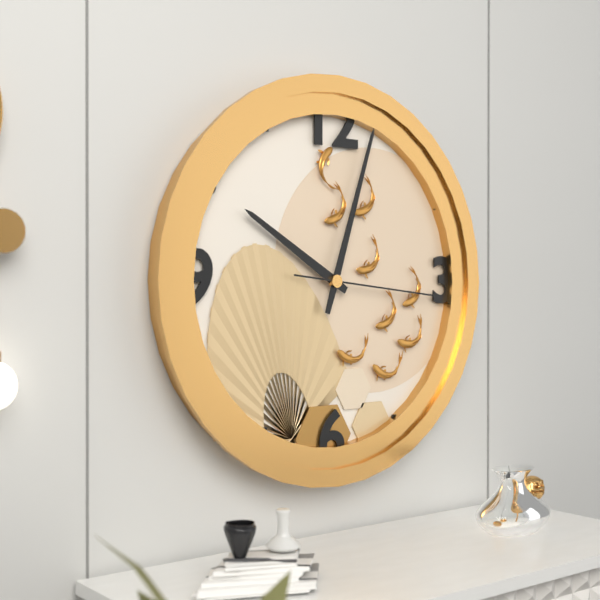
10 h 03 min 16 s
